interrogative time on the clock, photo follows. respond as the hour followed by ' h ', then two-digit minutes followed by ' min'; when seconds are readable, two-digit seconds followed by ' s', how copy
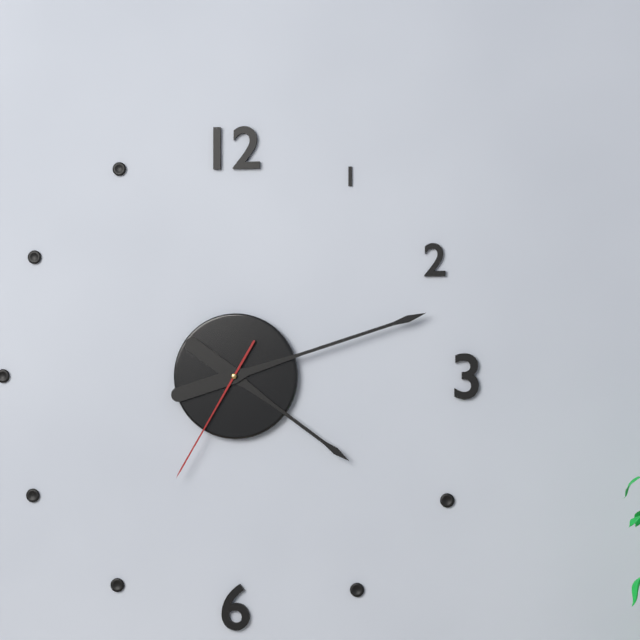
4 h 12 min 35 s
